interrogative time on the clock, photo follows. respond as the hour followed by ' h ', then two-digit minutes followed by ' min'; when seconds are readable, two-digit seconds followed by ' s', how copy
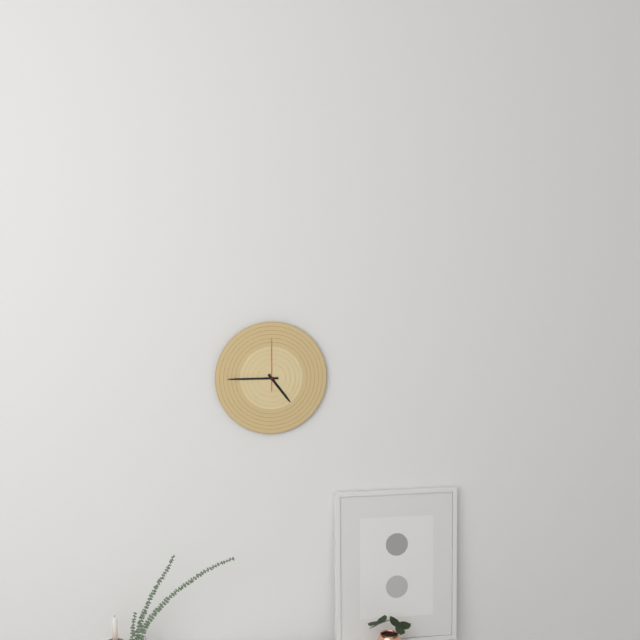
4 h 45 min
